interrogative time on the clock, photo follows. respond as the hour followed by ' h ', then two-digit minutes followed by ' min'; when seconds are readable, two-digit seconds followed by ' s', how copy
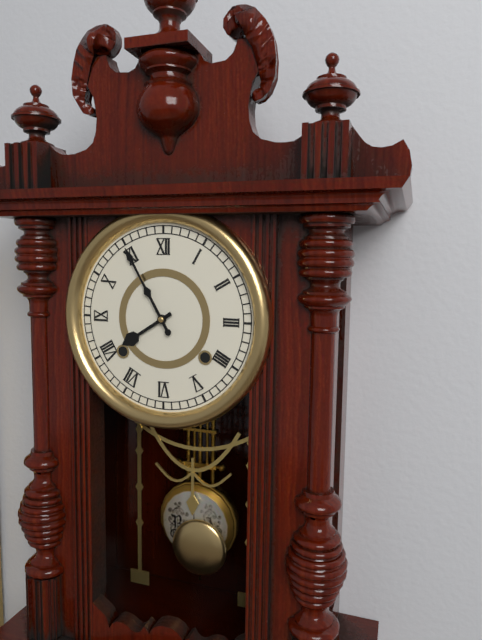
7 h 55 min
